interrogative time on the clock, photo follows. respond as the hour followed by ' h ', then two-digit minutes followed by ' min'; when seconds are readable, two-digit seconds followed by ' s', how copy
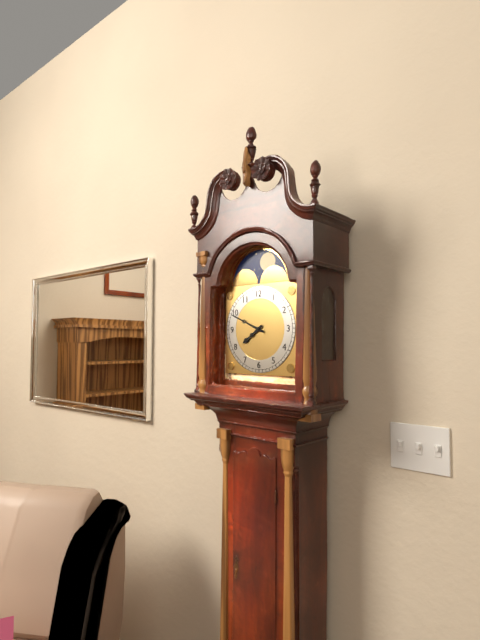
7 h 49 min
